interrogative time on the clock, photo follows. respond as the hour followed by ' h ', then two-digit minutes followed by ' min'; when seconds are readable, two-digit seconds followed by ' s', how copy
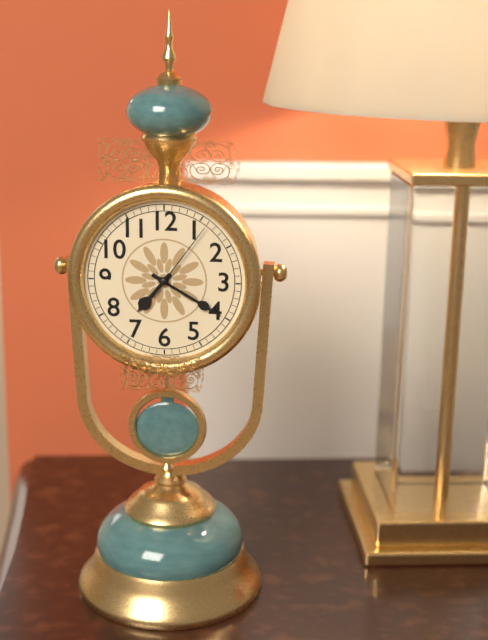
7 h 20 min 06 s
